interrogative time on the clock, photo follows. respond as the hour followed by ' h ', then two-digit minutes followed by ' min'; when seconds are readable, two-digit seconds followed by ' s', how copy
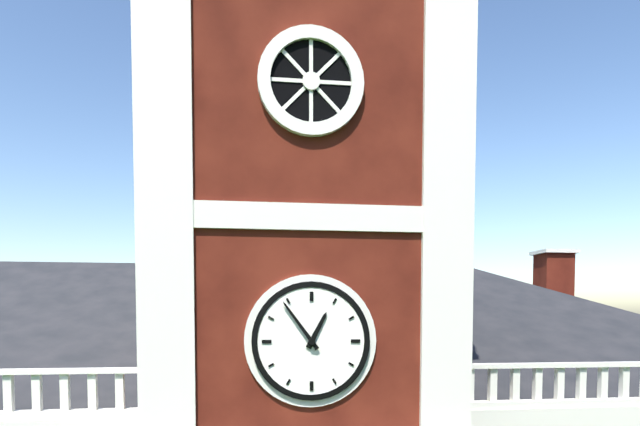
12 h 54 min
